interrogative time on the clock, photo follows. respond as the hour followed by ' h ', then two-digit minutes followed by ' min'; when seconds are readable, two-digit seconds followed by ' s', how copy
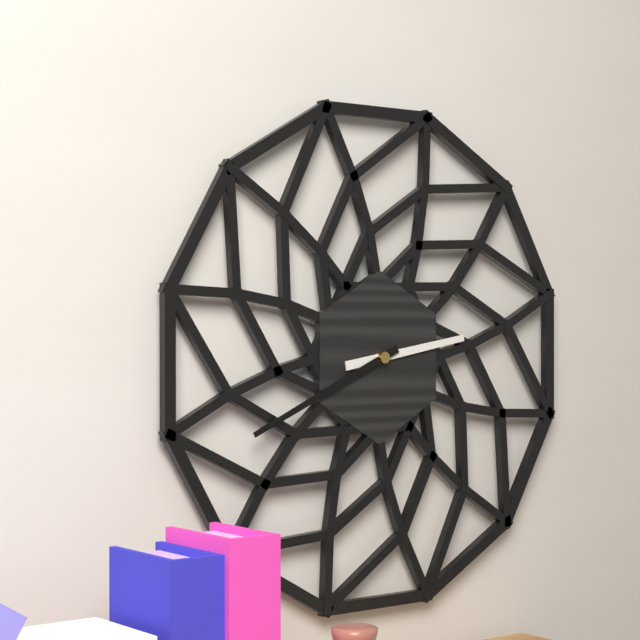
2 h 41 min
